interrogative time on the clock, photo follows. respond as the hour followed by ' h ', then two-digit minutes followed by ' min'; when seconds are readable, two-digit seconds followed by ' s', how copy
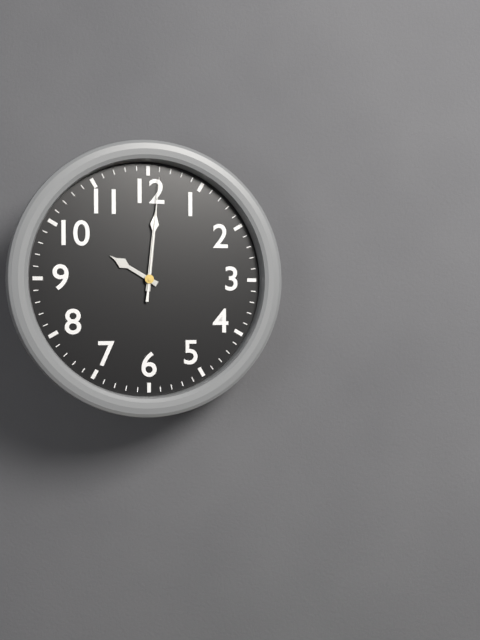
10 h 01 min 01 s
